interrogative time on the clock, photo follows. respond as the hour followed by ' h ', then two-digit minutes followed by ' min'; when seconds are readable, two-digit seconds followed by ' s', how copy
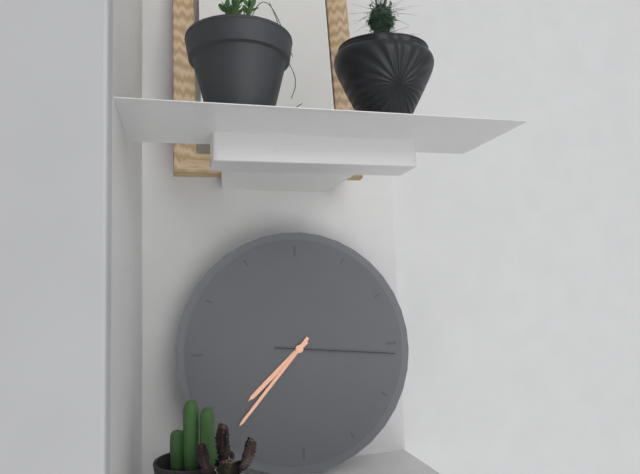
7 h 37 min 16 s
